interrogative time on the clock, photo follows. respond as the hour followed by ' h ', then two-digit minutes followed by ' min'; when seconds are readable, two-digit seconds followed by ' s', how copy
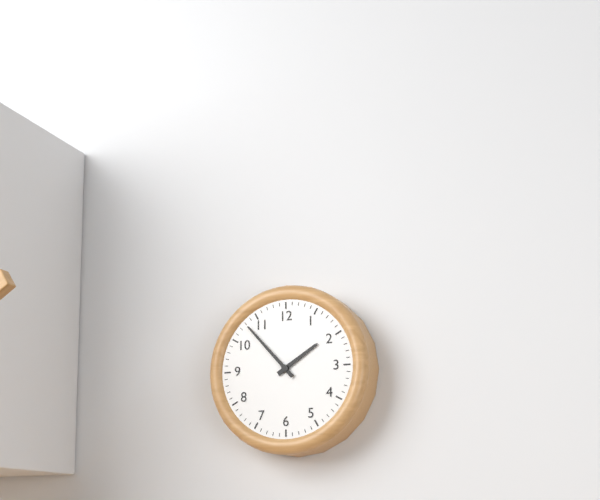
1 h 53 min
